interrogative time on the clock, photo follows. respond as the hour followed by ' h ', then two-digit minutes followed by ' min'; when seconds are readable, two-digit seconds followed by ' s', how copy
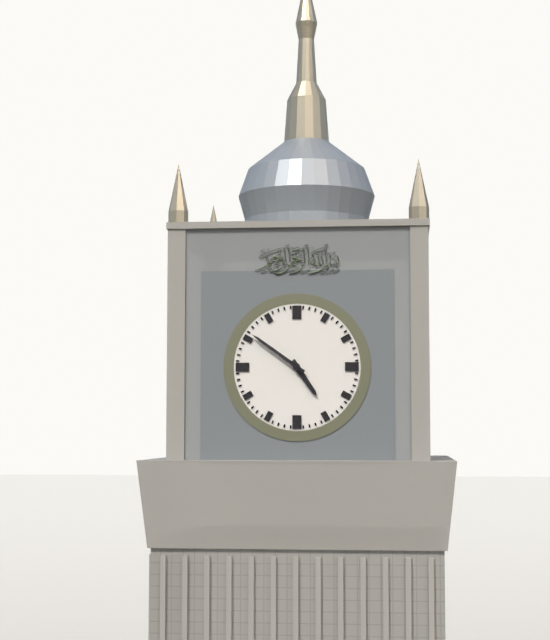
4 h 51 min
